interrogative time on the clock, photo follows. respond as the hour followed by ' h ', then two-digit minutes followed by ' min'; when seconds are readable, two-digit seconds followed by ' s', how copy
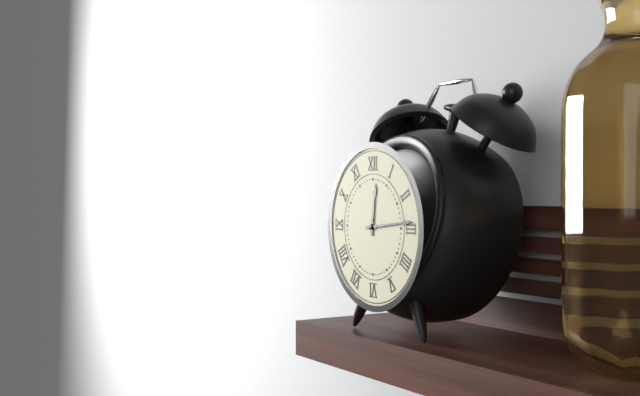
12 h 14 min
